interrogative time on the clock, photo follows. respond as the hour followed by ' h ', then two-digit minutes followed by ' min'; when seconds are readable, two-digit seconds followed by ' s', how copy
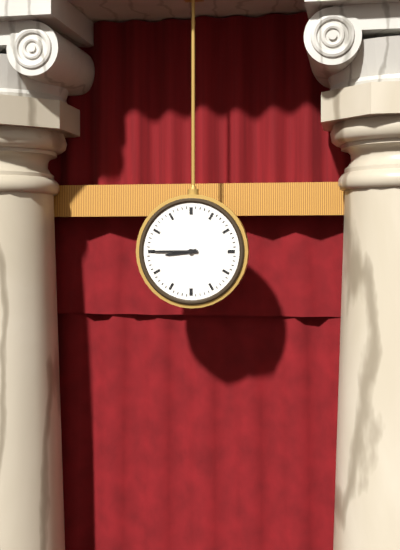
8 h 45 min
